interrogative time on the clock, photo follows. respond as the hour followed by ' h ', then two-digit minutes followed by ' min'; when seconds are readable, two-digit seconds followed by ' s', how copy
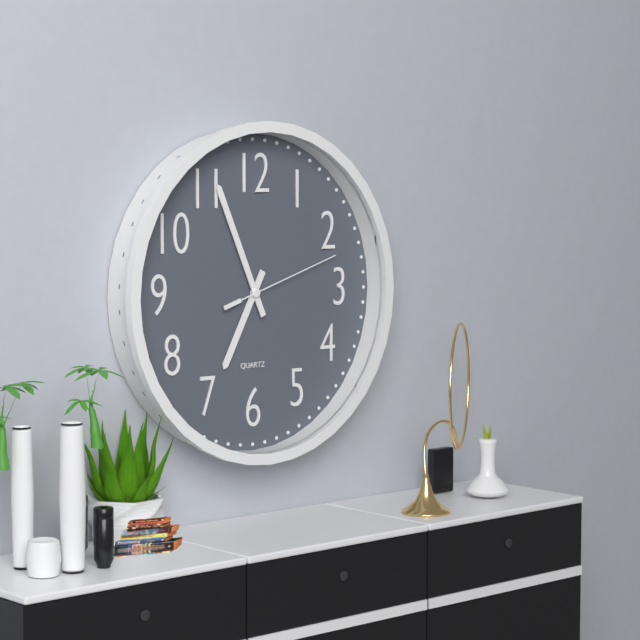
6 h 56 min 12 s
